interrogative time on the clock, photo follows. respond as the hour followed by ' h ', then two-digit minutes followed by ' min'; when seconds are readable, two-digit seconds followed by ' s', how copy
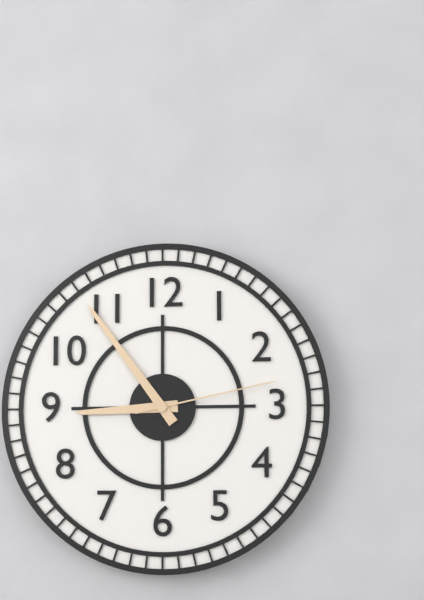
8 h 54 min 13 s
